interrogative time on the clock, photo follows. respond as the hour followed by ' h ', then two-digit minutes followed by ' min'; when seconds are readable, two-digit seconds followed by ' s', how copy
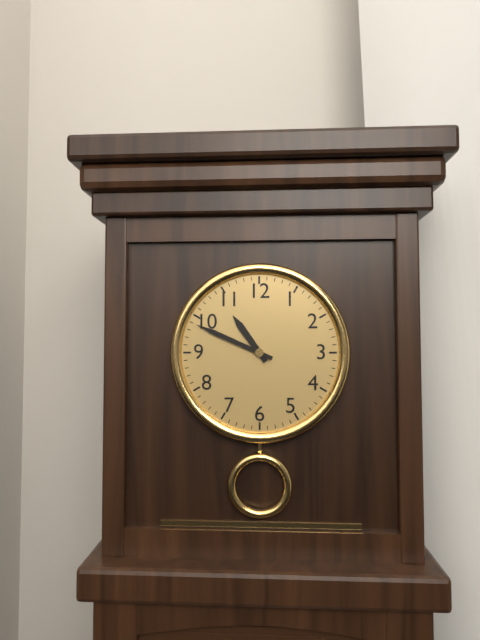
10 h 49 min
